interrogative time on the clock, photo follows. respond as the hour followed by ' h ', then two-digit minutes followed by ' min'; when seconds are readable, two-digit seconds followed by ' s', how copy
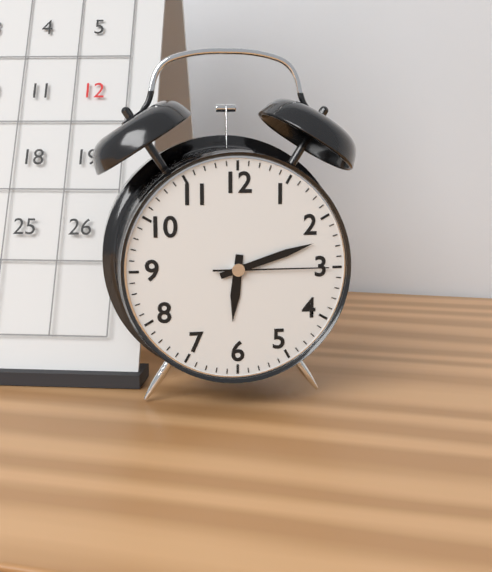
6 h 12 min 15 s
